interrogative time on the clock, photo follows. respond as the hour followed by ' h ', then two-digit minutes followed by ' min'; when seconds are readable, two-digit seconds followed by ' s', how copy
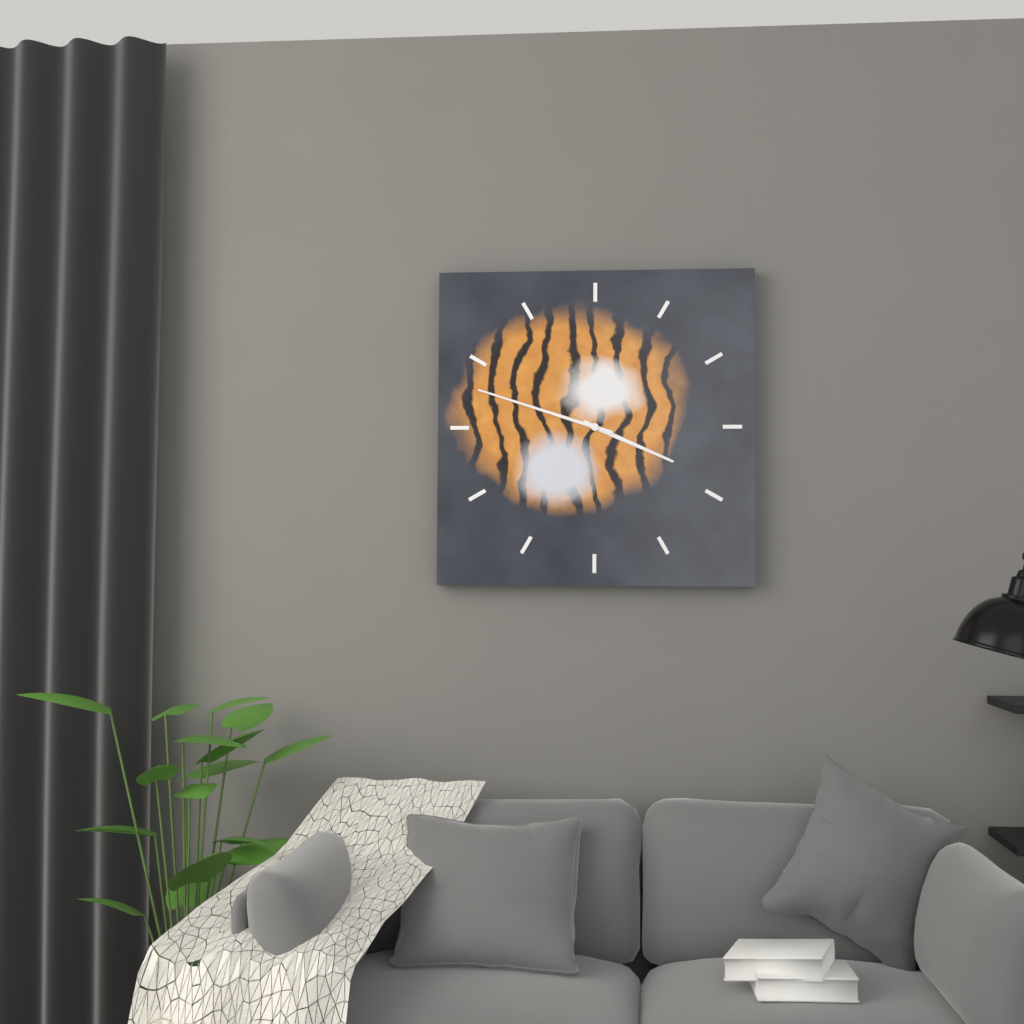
3 h 48 min
